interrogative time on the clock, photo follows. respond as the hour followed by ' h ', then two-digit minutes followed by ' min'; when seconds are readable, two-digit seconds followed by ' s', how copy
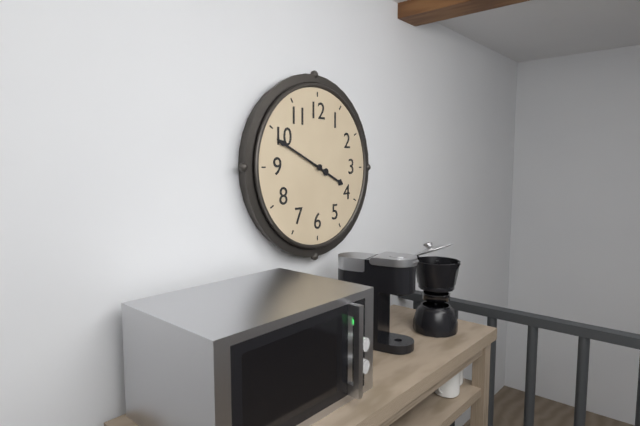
3 h 49 min
